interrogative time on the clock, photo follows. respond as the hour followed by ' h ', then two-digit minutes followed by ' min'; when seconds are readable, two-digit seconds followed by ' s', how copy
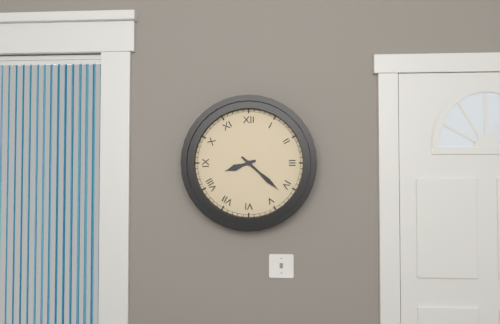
8 h 22 min
